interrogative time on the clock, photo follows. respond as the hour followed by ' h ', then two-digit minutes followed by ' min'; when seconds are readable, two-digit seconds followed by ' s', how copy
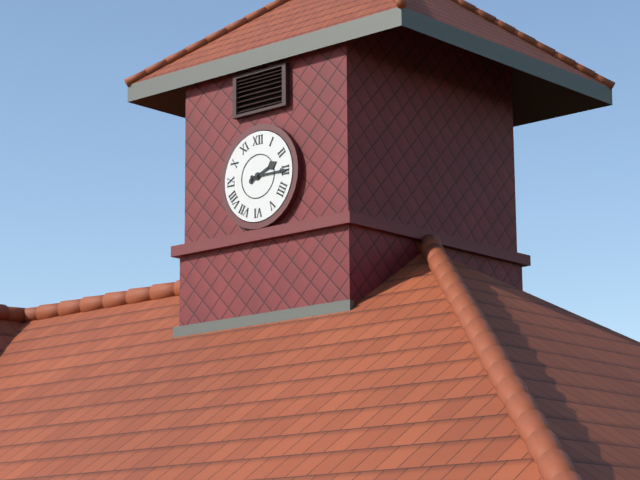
2 h 15 min
